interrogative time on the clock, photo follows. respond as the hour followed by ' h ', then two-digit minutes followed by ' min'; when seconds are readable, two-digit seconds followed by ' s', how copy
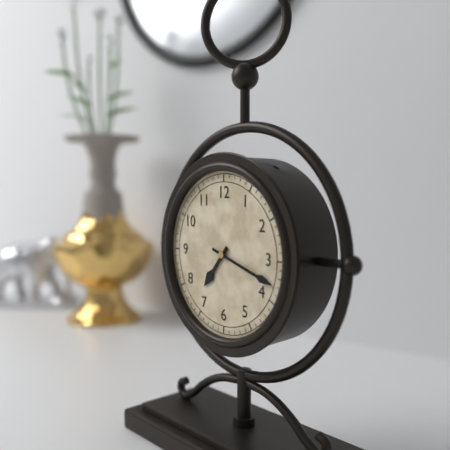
7 h 18 min
